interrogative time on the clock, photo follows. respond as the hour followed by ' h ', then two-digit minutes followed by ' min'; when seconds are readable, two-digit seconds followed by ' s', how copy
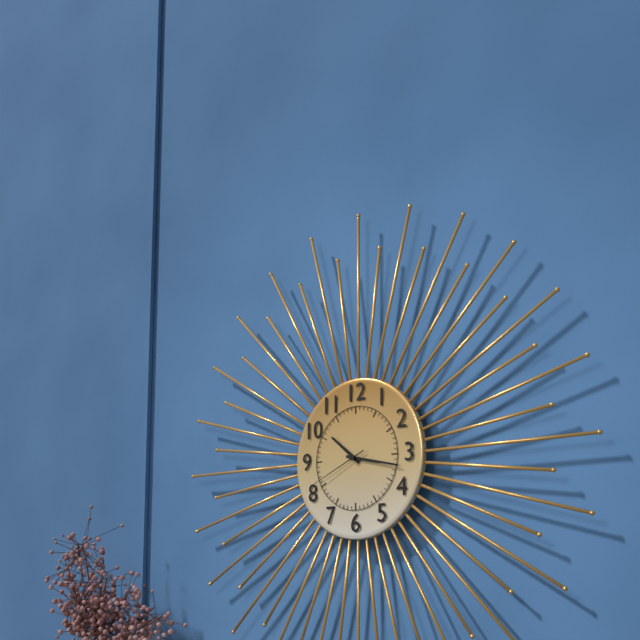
10 h 17 min 41 s
